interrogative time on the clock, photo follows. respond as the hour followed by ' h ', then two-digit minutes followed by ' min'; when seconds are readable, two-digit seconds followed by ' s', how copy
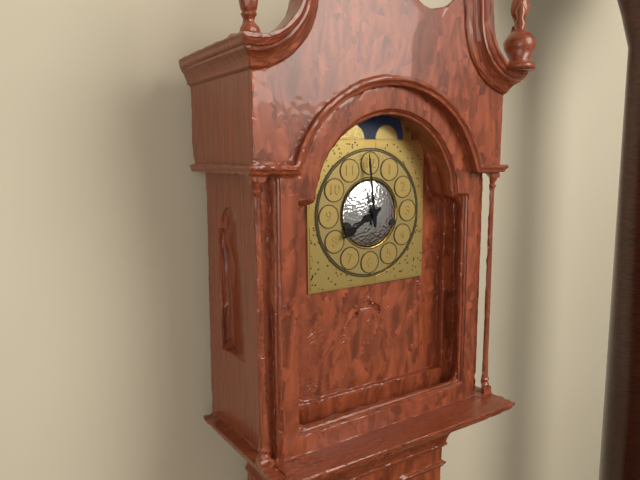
7 h 59 min
